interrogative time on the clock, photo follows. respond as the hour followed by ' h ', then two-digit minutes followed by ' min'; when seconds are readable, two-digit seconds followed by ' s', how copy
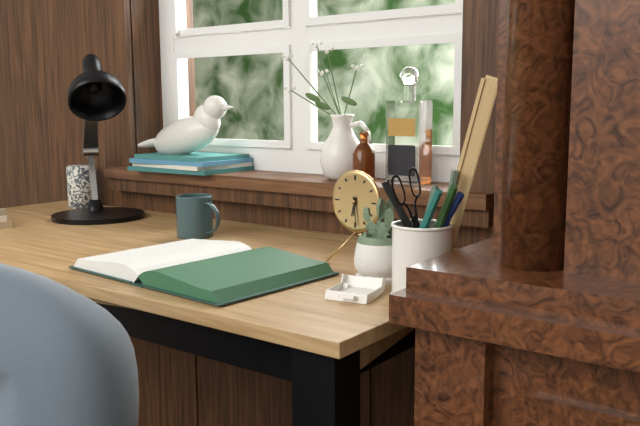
6 h 29 min
